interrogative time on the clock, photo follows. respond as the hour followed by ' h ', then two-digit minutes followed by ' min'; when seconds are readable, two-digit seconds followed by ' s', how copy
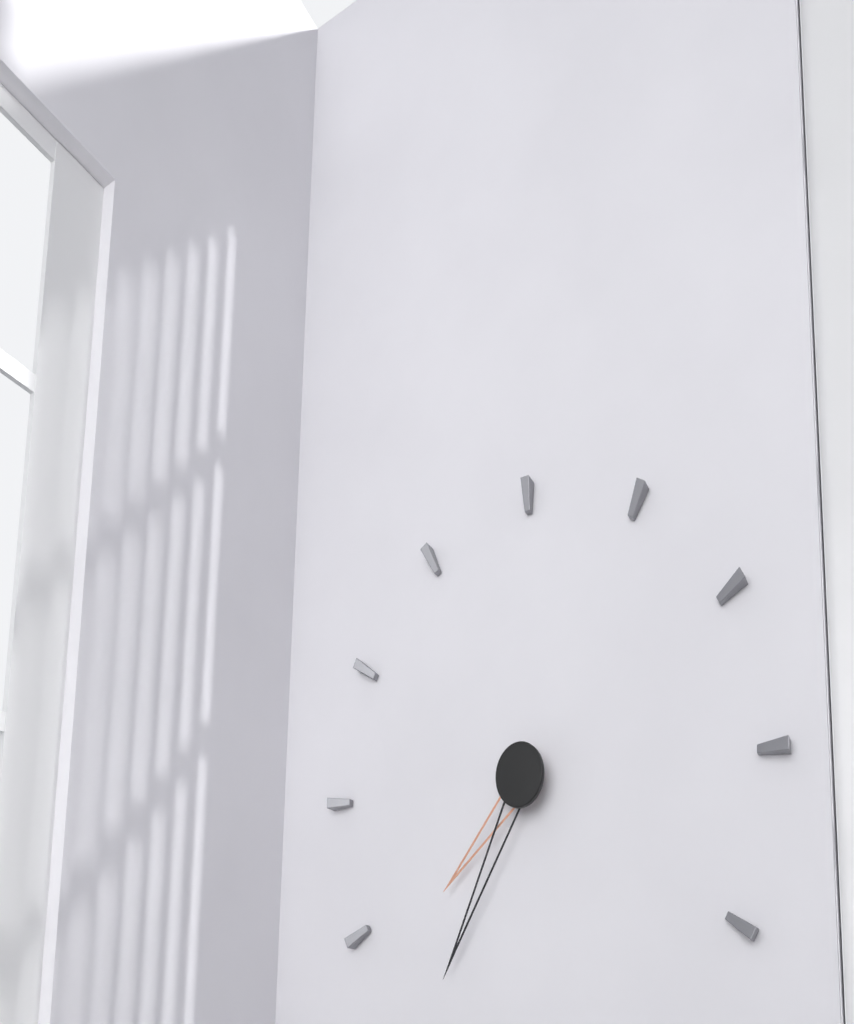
7 h 35 min
